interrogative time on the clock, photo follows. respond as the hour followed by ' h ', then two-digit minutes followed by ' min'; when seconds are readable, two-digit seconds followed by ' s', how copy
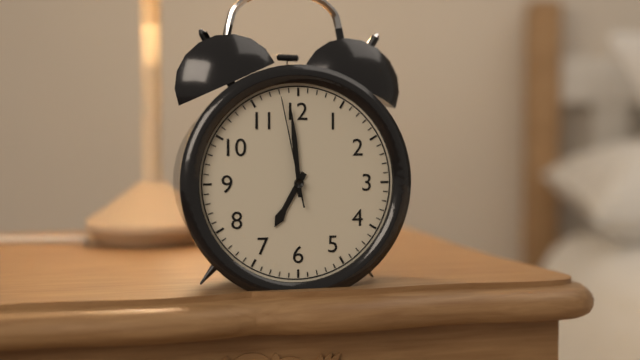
6 h 59 min 58 s
